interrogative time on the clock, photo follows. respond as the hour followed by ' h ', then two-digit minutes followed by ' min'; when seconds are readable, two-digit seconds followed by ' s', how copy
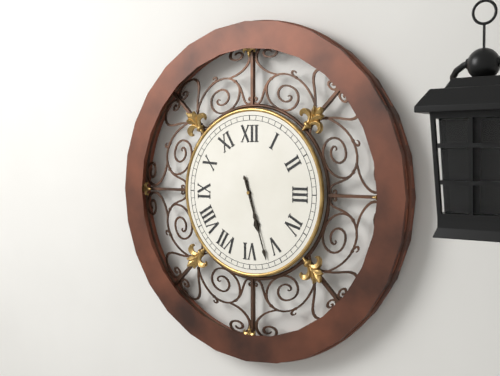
5 h 27 min
